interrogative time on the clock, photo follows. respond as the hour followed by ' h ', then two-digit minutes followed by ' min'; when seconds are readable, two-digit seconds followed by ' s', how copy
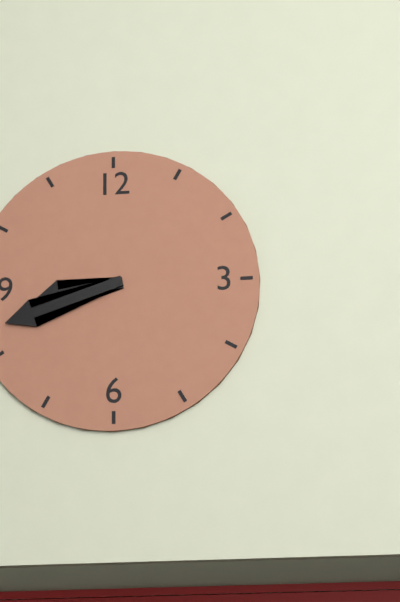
8 h 42 min
